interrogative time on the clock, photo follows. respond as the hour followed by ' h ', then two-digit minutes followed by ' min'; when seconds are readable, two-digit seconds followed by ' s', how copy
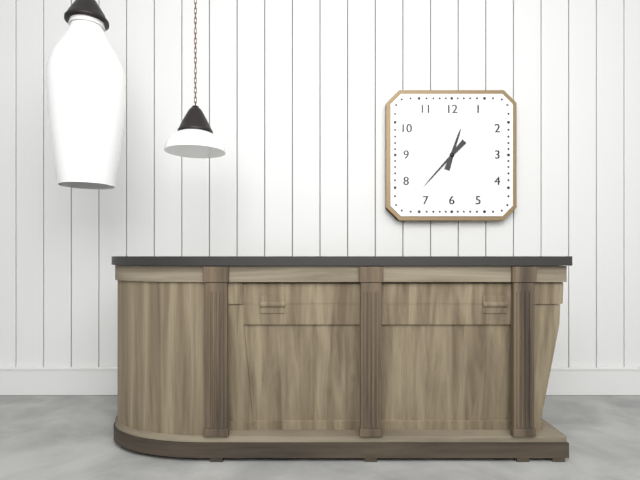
12 h 37 min
